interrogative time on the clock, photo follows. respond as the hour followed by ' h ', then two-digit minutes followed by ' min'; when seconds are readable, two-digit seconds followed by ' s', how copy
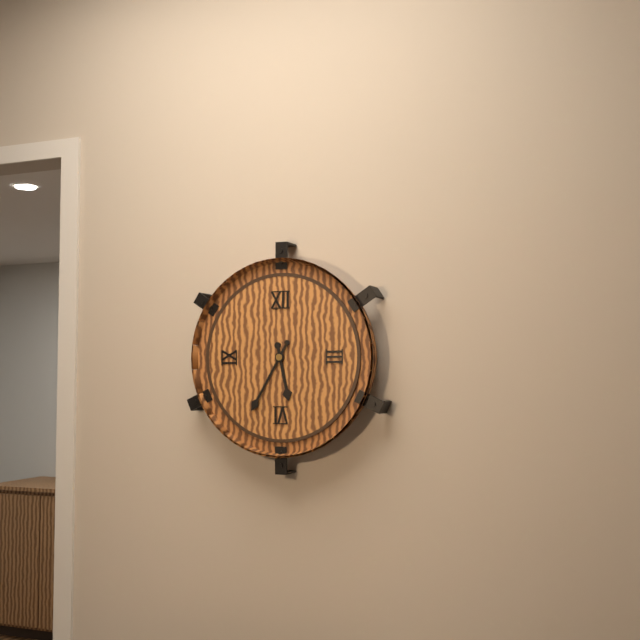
5 h 35 min
